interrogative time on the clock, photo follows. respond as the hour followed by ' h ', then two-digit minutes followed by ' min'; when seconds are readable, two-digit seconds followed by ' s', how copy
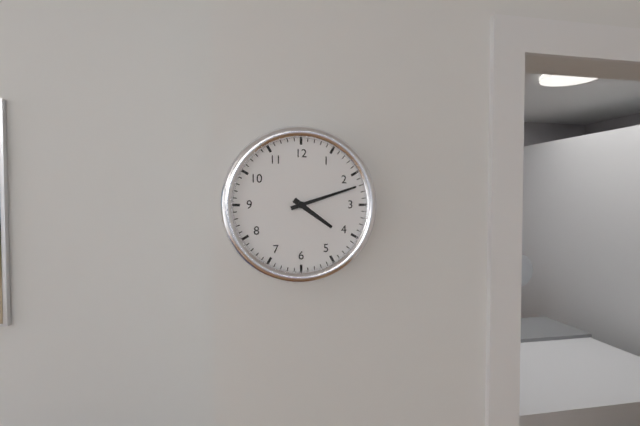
4 h 12 min
